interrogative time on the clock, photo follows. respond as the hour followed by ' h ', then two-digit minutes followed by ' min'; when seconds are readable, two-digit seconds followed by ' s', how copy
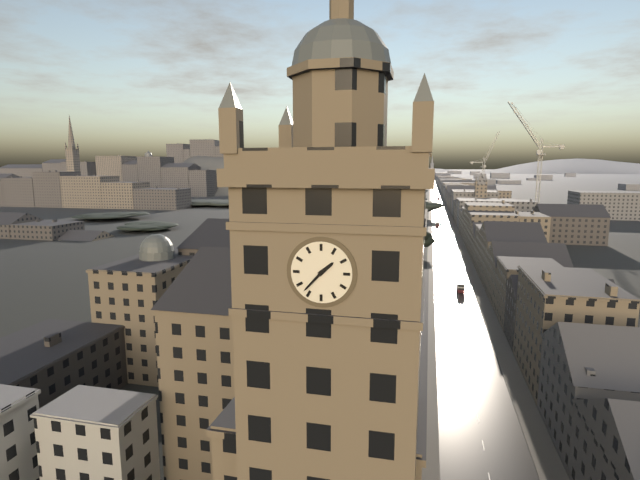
1 h 37 min
